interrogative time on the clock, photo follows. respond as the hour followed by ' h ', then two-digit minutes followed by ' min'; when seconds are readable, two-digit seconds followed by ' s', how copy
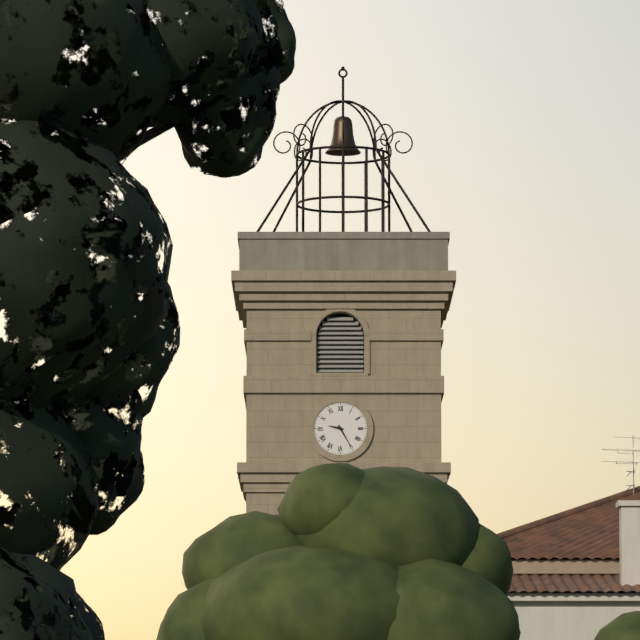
9 h 25 min
